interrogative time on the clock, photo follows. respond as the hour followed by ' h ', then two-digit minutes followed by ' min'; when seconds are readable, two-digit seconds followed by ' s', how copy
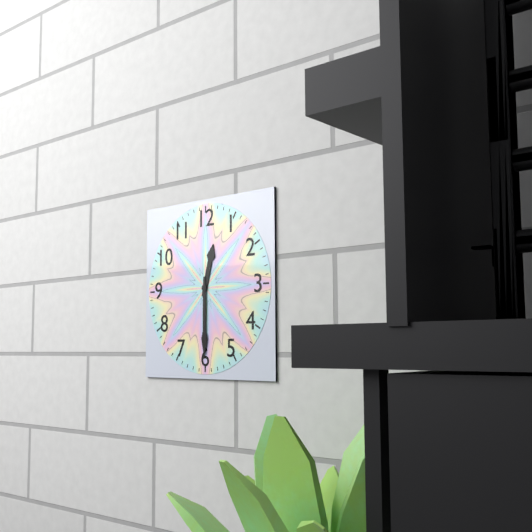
12 h 30 min
